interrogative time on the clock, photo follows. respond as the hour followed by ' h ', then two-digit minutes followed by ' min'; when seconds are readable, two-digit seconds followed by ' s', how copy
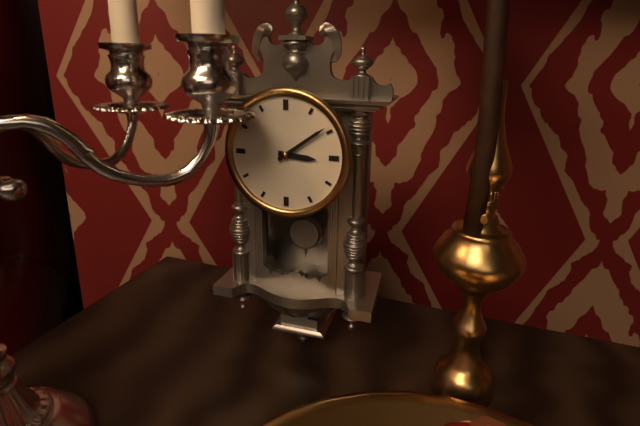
3 h 09 min
